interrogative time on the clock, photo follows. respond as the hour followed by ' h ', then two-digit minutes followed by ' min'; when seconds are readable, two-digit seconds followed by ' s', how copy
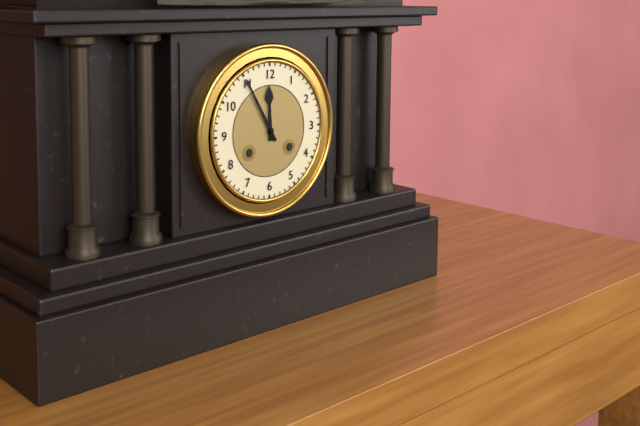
11 h 55 min
